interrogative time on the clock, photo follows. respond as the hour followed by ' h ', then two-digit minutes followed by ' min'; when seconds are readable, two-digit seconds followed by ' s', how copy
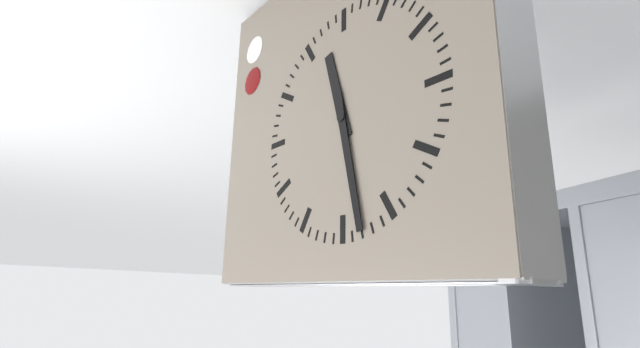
11 h 28 min
